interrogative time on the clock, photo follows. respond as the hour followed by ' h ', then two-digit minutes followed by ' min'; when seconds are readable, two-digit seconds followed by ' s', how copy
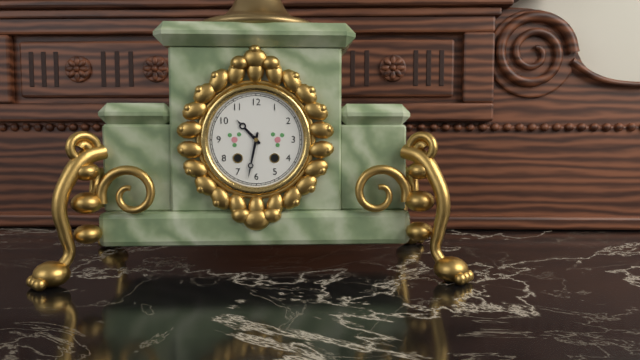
10 h 32 min
